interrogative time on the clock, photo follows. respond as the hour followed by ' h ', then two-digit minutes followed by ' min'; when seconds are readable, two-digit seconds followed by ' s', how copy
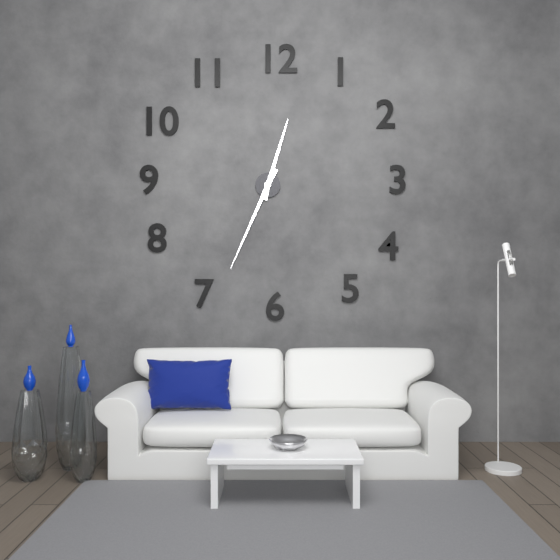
12 h 34 min
